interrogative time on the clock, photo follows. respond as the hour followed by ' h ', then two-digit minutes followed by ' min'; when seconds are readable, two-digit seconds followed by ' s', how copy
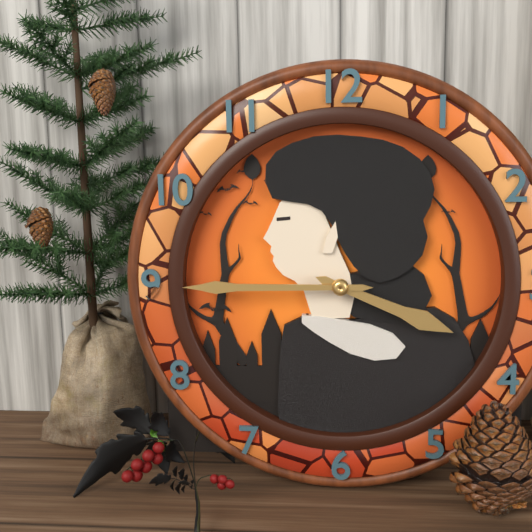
3 h 45 min
